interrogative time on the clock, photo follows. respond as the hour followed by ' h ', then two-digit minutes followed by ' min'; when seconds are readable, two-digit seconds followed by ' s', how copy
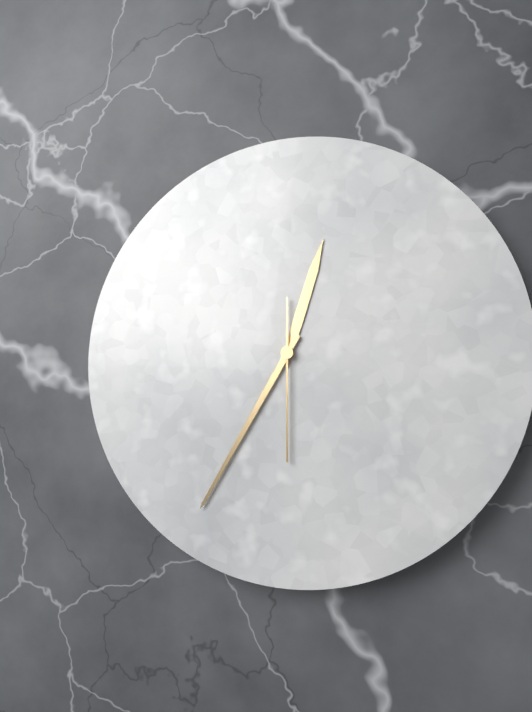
12 h 35 min 30 s
